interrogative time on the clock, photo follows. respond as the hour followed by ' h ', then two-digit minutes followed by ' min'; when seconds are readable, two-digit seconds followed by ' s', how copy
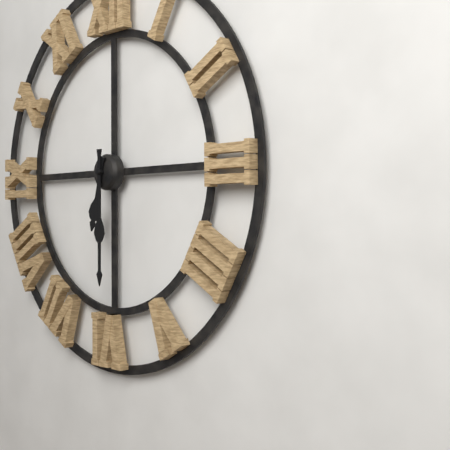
6 h 30 min
